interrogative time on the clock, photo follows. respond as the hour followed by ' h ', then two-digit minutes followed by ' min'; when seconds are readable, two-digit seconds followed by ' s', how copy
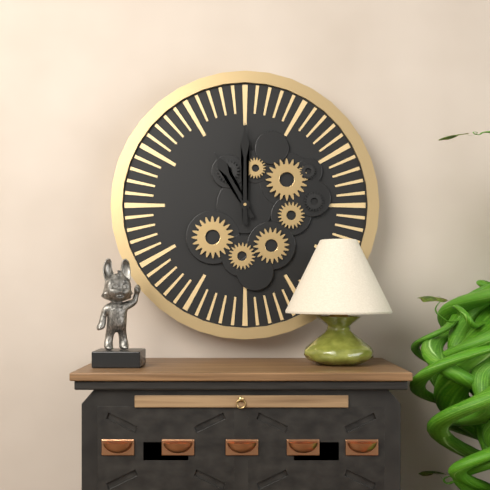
11 h 00 min
